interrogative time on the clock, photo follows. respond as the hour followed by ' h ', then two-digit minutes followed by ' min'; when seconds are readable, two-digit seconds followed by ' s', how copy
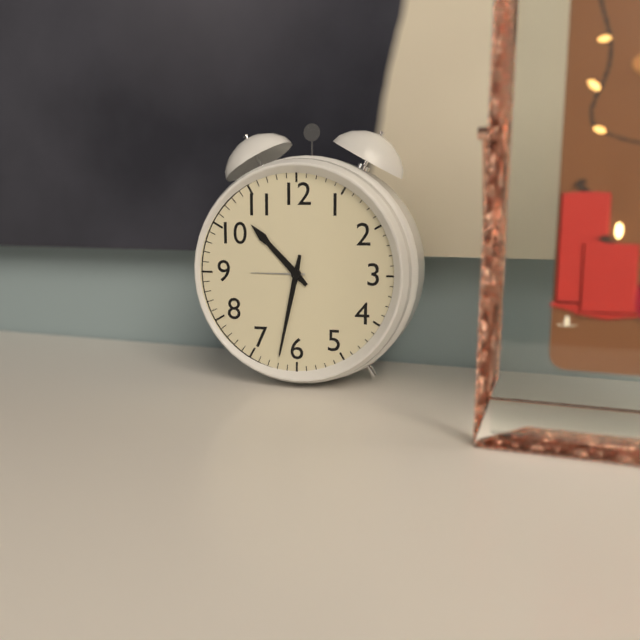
10 h 32 min
